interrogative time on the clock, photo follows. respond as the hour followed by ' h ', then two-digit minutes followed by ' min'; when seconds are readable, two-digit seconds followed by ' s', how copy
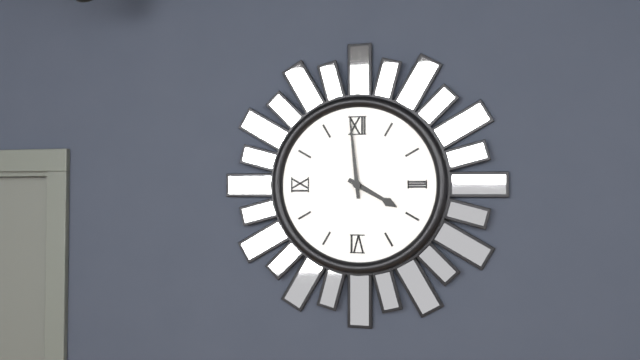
3 h 59 min
